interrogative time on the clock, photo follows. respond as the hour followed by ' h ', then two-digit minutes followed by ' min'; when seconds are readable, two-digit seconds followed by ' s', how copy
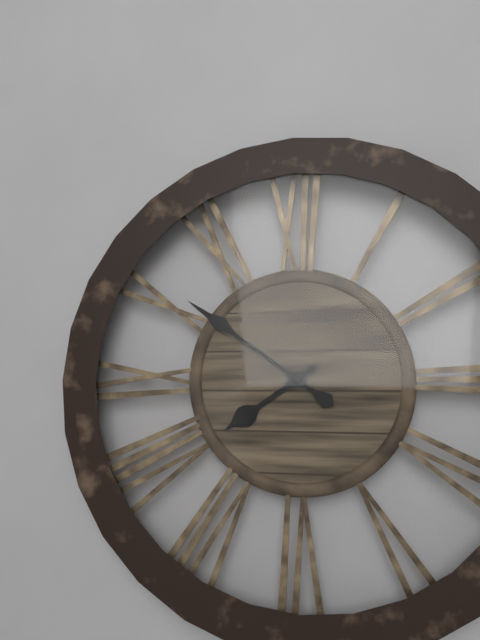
7 h 51 min
